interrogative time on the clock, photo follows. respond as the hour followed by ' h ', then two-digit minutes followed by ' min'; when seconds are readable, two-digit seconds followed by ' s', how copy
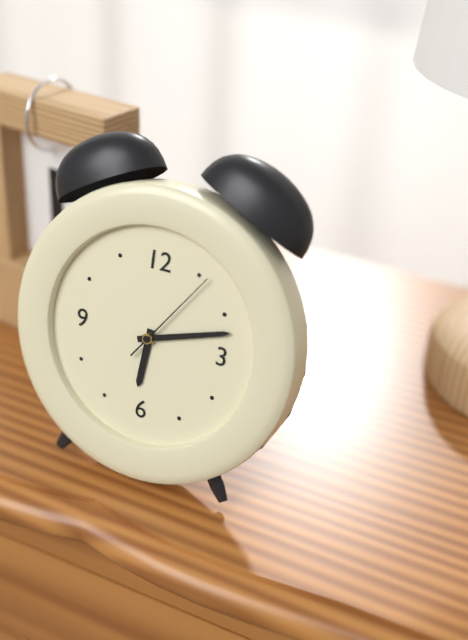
6 h 12 min 06 s
